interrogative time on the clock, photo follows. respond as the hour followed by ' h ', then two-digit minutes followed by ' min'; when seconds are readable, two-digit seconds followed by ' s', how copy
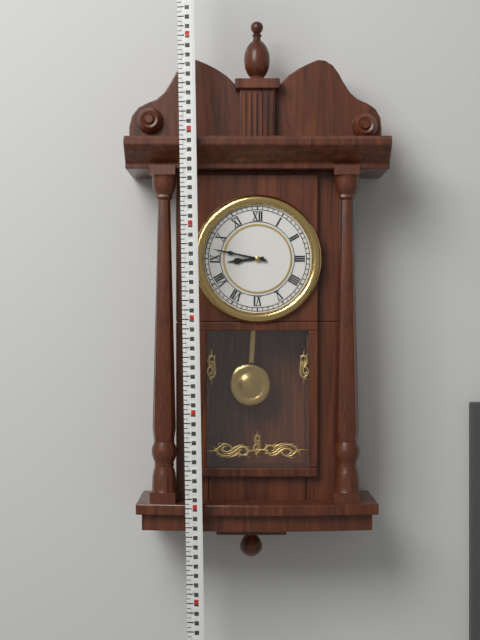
8 h 47 min
